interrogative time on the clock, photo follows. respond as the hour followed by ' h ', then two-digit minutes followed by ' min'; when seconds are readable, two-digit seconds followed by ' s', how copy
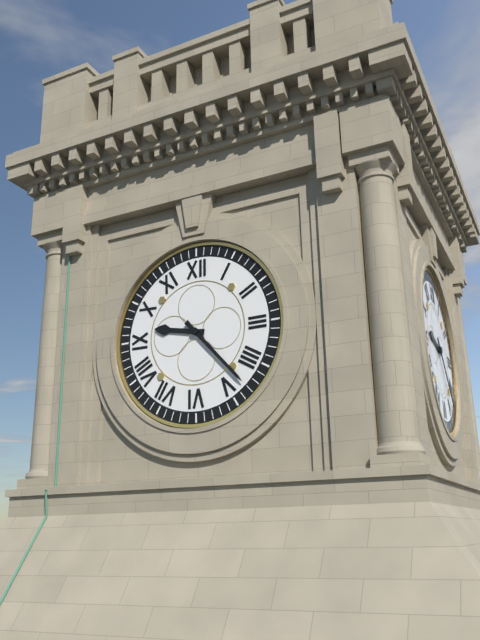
9 h 23 min
